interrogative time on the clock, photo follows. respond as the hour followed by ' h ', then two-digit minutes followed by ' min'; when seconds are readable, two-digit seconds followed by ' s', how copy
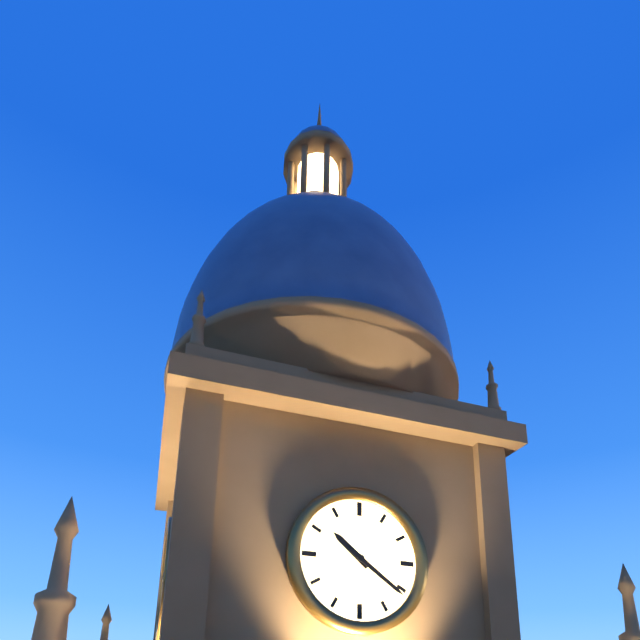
10 h 21 min
